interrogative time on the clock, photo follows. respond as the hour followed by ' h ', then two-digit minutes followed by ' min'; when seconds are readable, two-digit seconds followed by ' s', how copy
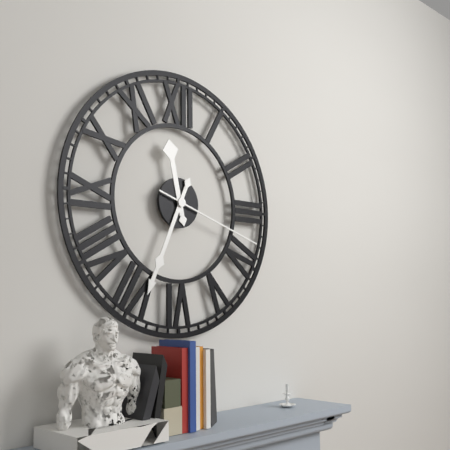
11 h 34 min 18 s
